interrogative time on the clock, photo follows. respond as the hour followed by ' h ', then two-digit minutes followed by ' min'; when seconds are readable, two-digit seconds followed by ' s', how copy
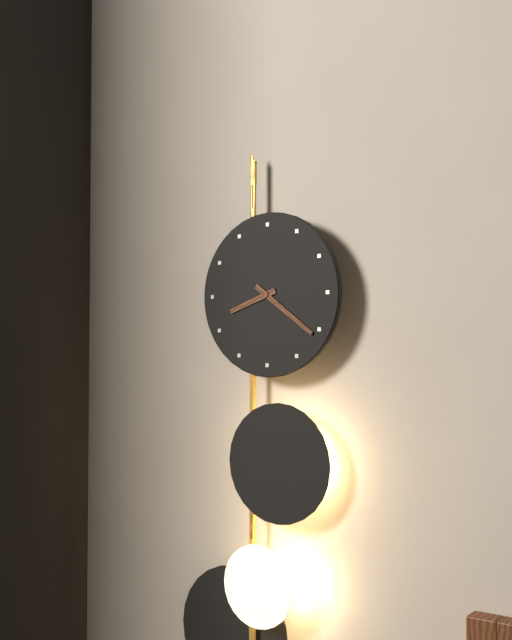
8 h 21 min
